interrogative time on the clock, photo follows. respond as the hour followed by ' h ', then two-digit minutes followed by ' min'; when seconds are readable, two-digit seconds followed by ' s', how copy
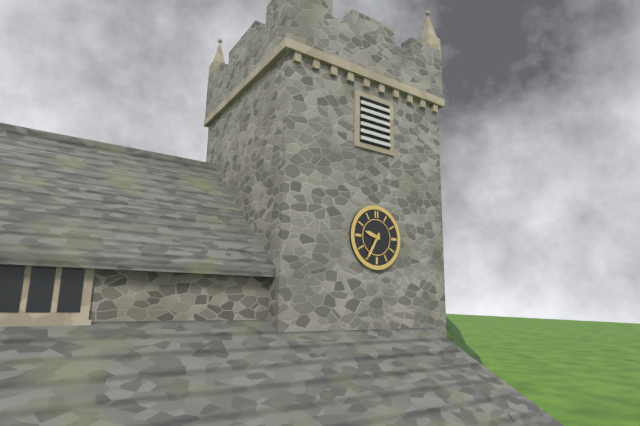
9 h 35 min
